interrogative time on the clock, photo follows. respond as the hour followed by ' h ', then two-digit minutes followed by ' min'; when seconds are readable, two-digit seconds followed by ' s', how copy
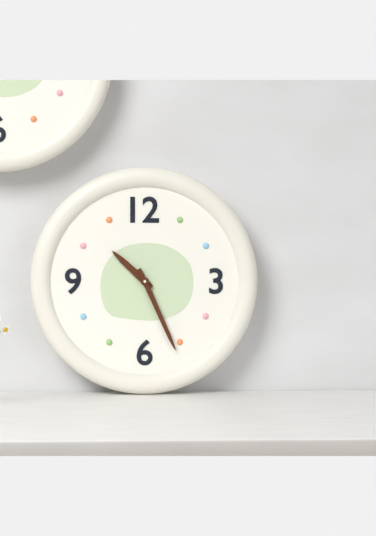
10 h 26 min
